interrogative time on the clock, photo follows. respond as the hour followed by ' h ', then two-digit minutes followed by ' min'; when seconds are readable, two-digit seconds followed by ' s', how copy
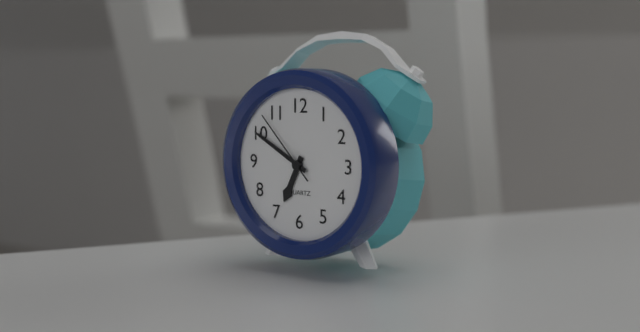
6 h 50 min 53 s
